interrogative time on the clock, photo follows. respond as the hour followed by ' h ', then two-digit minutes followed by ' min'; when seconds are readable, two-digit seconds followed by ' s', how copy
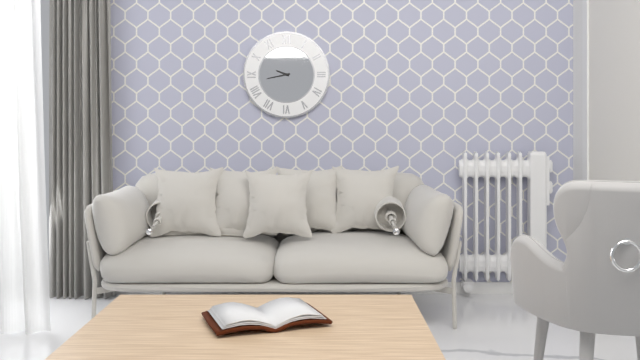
9 h 43 min
